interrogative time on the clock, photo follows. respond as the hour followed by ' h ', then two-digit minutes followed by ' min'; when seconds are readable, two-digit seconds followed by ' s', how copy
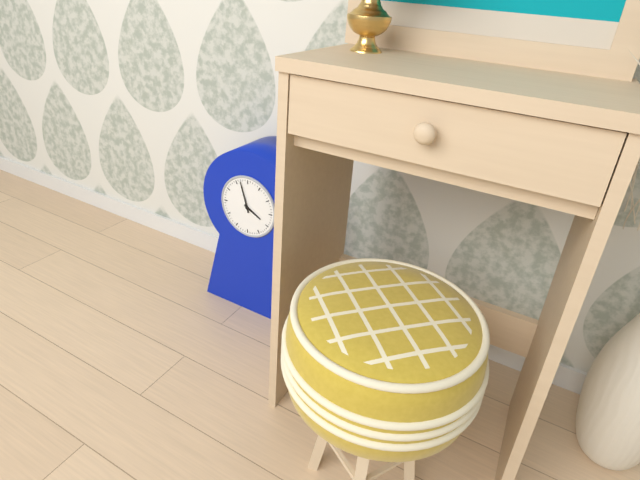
3 h 57 min
